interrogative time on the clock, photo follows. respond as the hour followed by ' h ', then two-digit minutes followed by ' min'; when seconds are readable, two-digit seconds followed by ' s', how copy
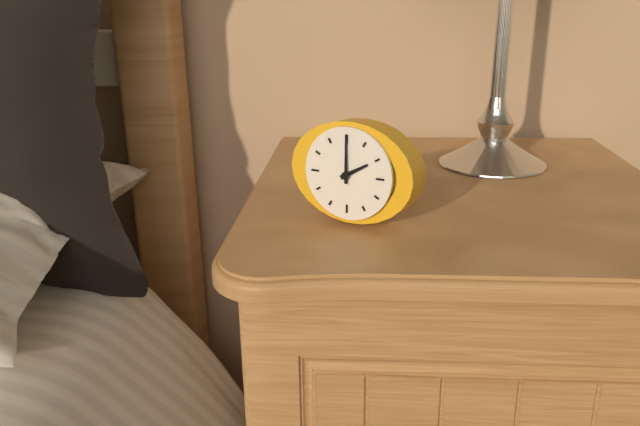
2 h 00 min
